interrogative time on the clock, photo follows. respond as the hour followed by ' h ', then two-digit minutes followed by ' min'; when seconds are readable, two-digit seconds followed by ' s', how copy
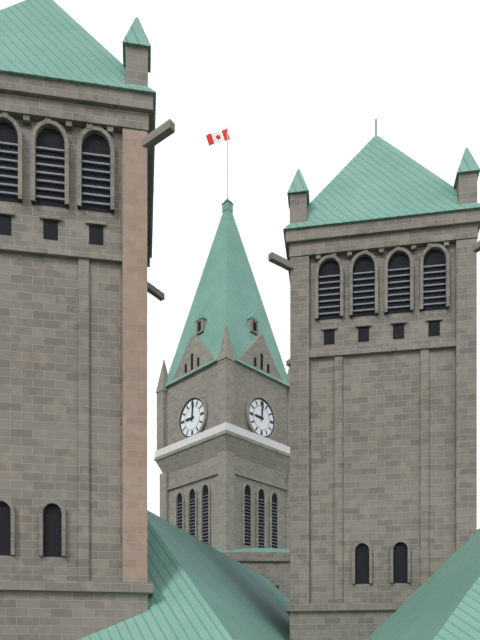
9 h 01 min
